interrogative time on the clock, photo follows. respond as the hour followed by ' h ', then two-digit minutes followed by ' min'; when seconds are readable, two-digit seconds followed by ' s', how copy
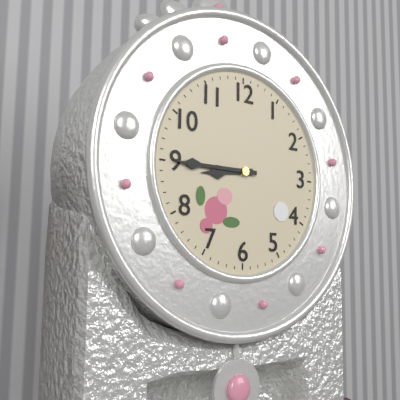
8 h 45 min
